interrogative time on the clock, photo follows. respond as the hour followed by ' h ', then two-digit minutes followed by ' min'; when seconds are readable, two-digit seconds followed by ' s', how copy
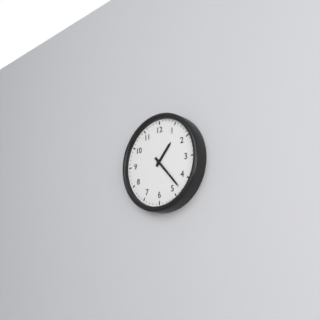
1 h 23 min
